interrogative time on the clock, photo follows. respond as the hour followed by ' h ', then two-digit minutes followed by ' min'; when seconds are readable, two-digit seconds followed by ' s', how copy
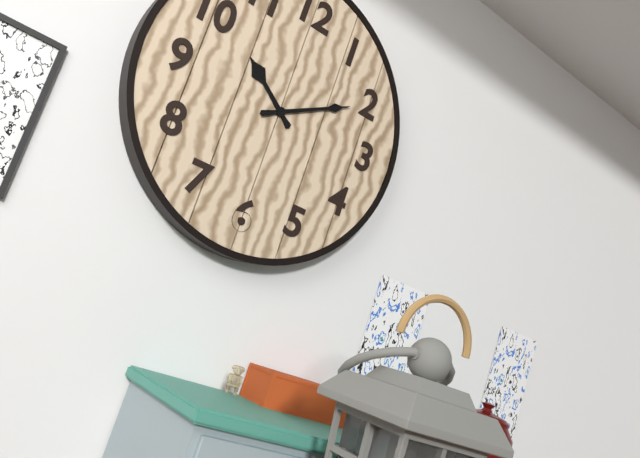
10 h 10 min
